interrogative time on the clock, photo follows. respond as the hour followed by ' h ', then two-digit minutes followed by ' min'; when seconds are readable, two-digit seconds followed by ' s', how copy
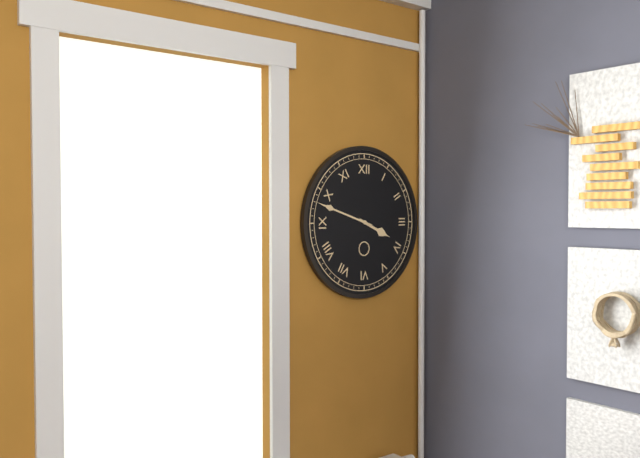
3 h 48 min
